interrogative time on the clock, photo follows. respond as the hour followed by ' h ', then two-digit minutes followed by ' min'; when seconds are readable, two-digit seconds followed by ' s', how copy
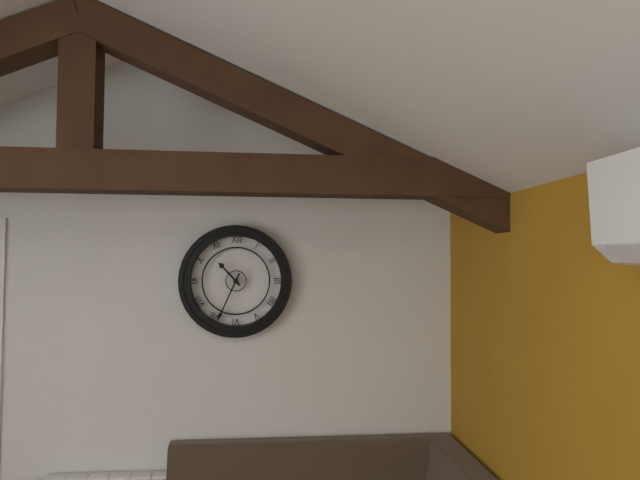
10 h 34 min
